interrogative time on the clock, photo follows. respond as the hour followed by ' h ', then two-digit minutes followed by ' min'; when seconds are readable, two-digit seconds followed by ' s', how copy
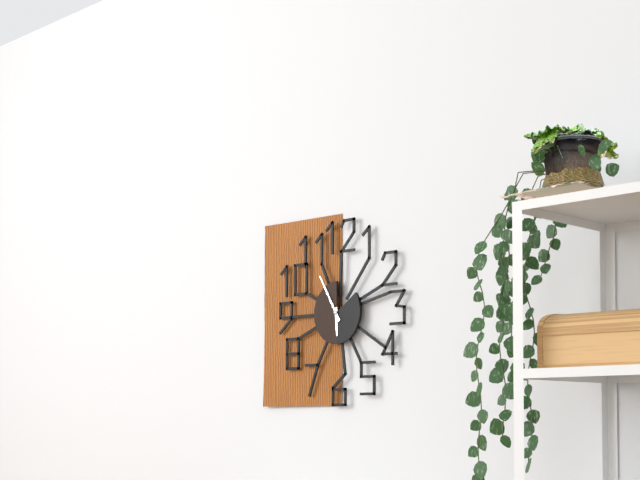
5 h 55 min
